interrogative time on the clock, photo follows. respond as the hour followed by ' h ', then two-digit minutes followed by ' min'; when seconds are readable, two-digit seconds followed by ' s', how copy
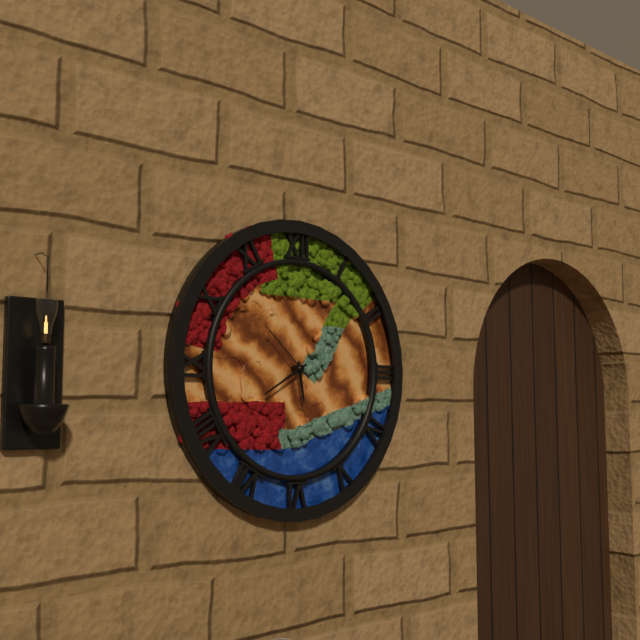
5 h 40 min 52 s
